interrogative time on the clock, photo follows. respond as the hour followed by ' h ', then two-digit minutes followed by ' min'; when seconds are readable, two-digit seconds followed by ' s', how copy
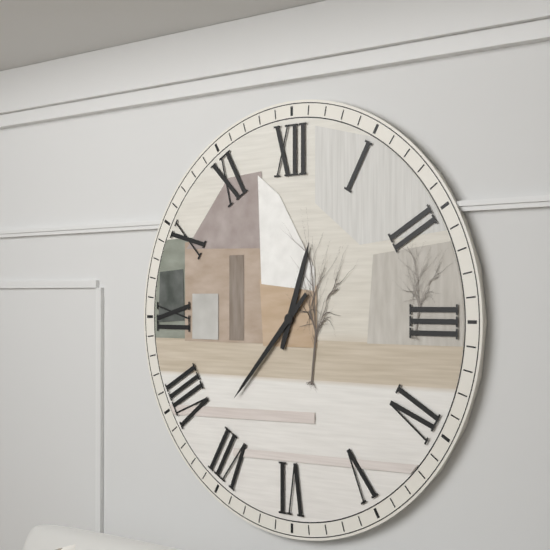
12 h 37 min
